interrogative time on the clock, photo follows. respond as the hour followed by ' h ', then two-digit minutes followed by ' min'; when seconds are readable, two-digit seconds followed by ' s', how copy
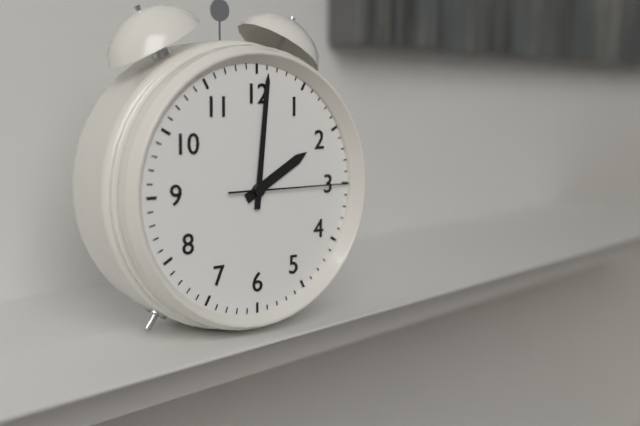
2 h 01 min 15 s
